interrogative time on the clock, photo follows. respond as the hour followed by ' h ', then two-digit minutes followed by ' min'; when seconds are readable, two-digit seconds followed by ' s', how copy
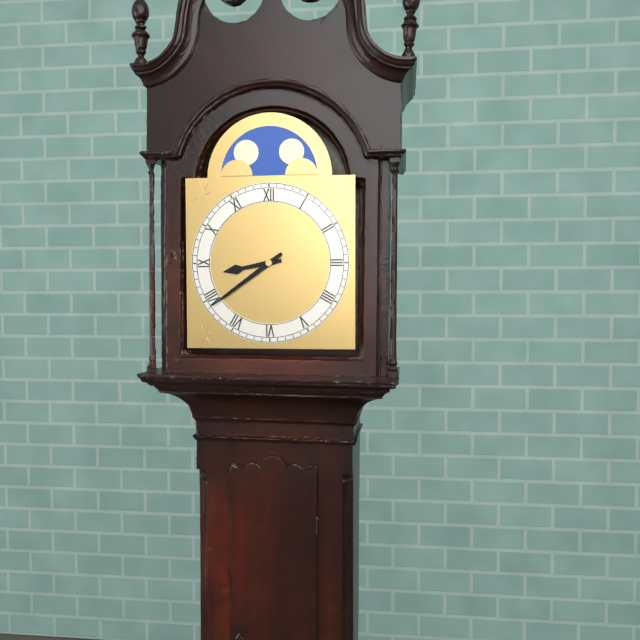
8 h 39 min
